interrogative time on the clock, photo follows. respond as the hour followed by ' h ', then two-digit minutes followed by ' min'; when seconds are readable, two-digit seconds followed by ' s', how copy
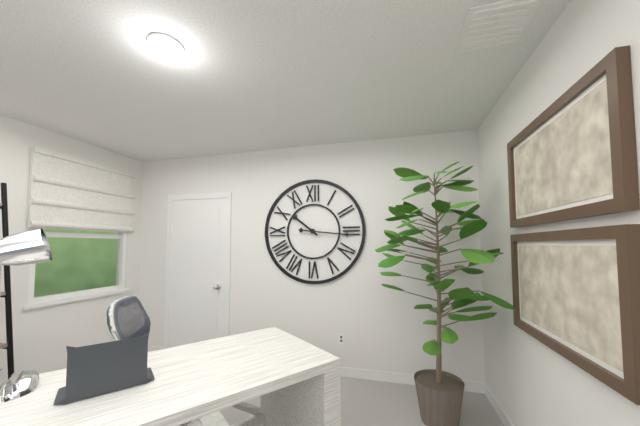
10 h 16 min
